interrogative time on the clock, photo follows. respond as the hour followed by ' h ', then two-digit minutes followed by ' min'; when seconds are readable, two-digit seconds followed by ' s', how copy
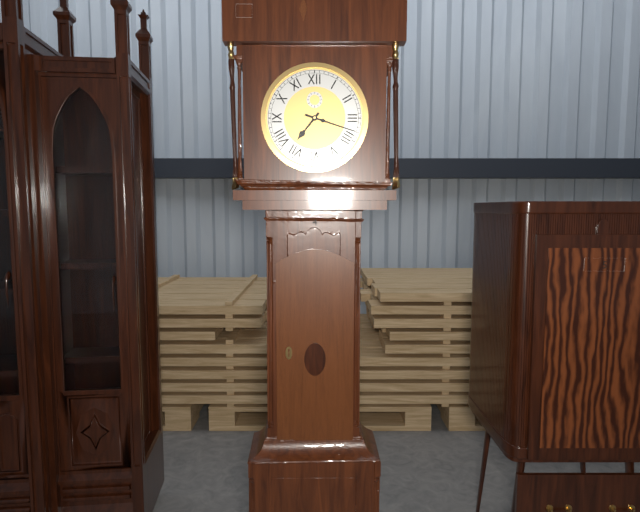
7 h 18 min
